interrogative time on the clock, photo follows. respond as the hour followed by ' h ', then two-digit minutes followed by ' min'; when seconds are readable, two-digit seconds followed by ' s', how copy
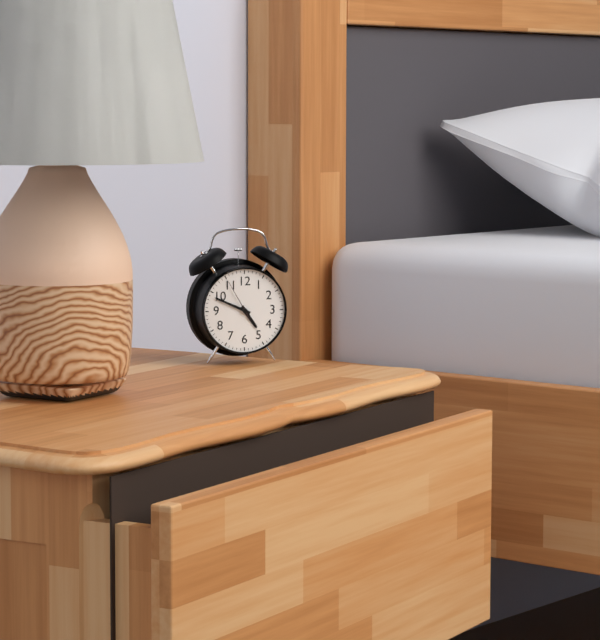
4 h 49 min
